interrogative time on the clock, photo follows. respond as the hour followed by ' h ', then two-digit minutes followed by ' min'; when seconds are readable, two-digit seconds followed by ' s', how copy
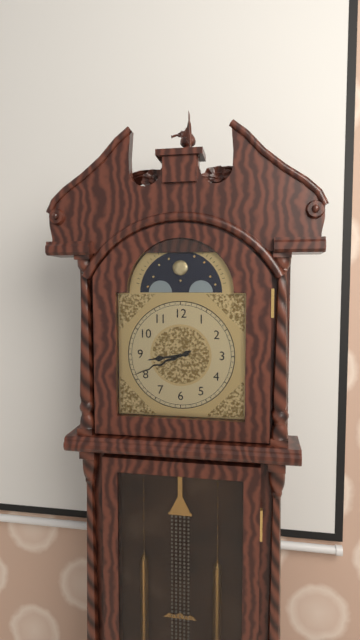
8 h 41 min
